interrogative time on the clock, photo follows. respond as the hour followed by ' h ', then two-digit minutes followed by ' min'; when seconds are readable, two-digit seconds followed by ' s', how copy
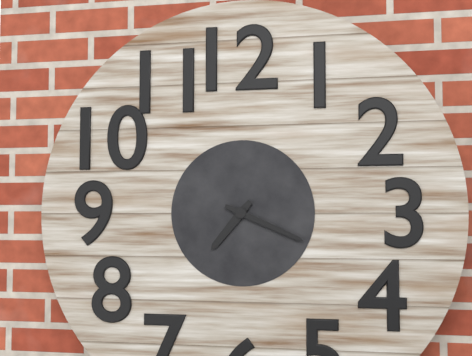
7 h 19 min
